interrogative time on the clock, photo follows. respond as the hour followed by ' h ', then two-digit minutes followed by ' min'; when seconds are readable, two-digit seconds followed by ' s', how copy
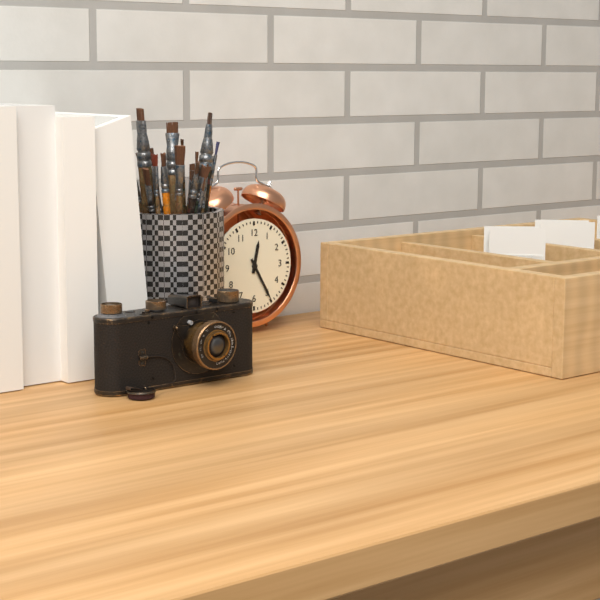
12 h 25 min
